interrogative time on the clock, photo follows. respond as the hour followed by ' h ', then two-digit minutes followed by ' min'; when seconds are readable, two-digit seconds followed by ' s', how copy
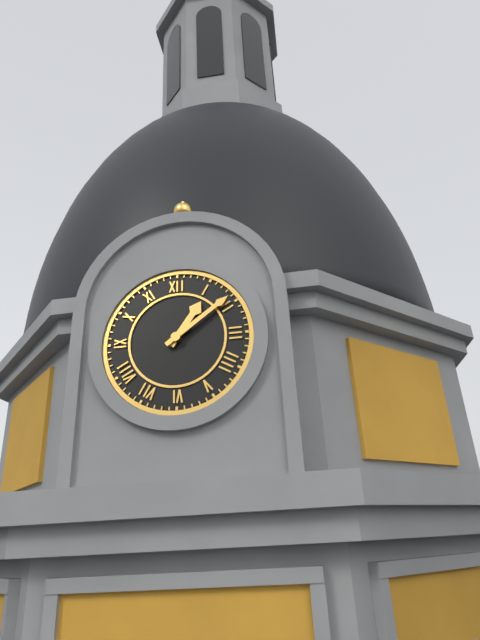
1 h 09 min
